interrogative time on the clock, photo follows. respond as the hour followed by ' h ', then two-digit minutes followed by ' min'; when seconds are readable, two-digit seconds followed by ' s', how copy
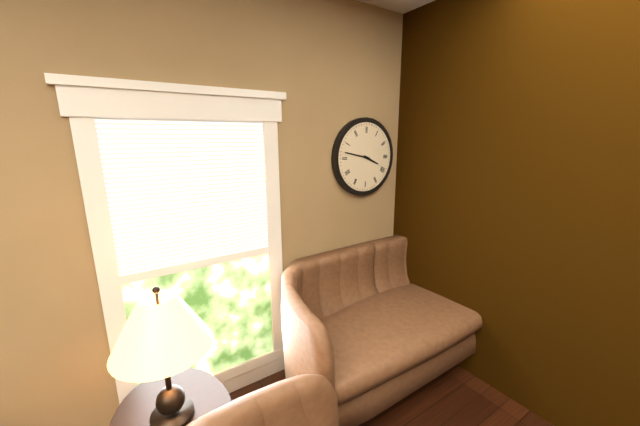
3 h 47 min
